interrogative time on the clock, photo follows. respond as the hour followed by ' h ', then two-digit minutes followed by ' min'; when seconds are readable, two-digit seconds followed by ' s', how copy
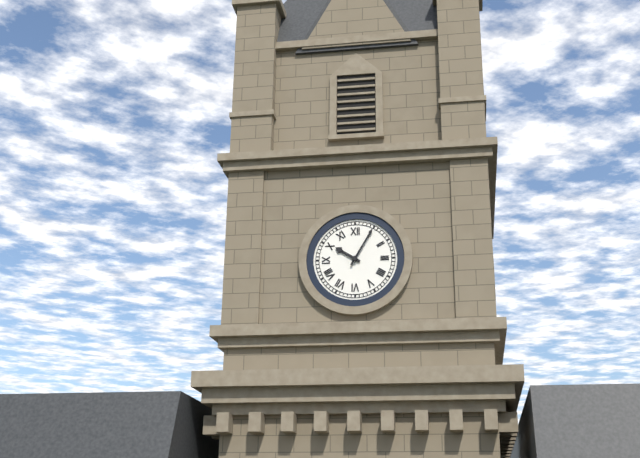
10 h 05 min
